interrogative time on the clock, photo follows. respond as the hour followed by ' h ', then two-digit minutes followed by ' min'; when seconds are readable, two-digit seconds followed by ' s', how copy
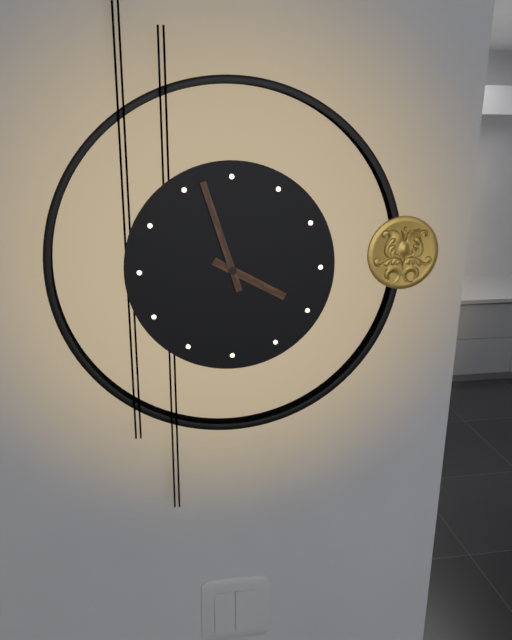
3 h 57 min
